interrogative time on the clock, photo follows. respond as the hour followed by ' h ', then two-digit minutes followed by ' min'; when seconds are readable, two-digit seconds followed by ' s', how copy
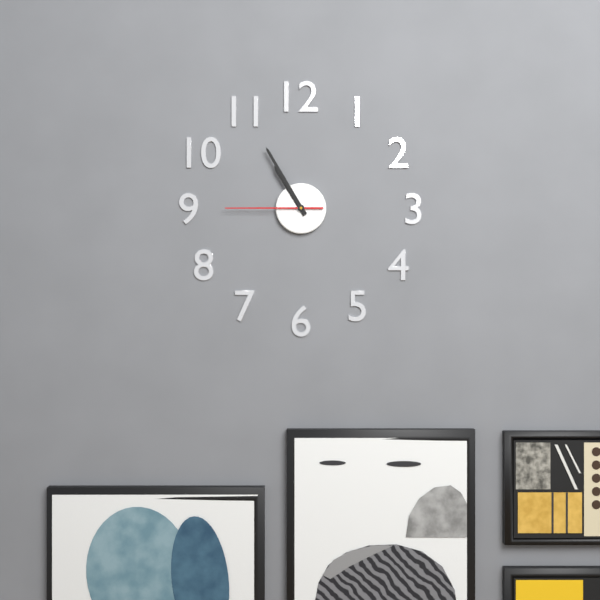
10 h 55 min 45 s
